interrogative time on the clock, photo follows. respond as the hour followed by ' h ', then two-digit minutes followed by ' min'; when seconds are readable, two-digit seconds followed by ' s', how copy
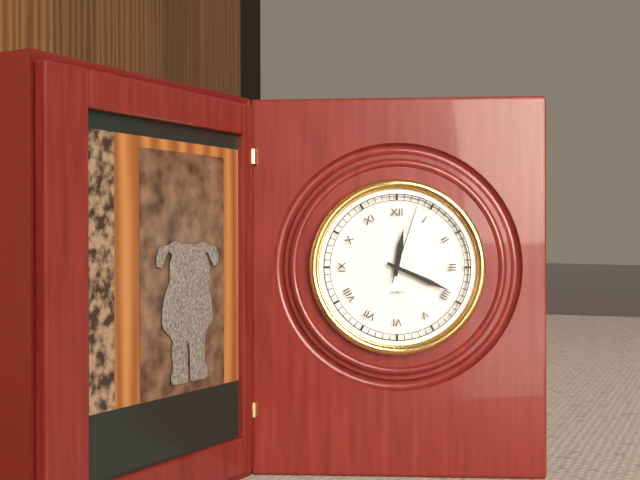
12 h 19 min 03 s
